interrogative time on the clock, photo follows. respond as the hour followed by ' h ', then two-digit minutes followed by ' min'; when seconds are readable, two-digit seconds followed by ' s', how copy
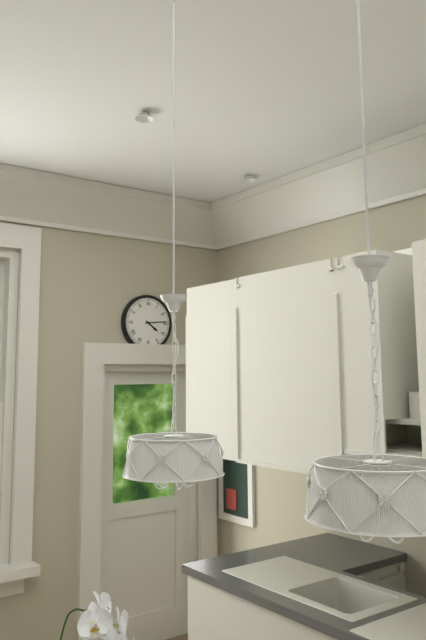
4 h 14 min
